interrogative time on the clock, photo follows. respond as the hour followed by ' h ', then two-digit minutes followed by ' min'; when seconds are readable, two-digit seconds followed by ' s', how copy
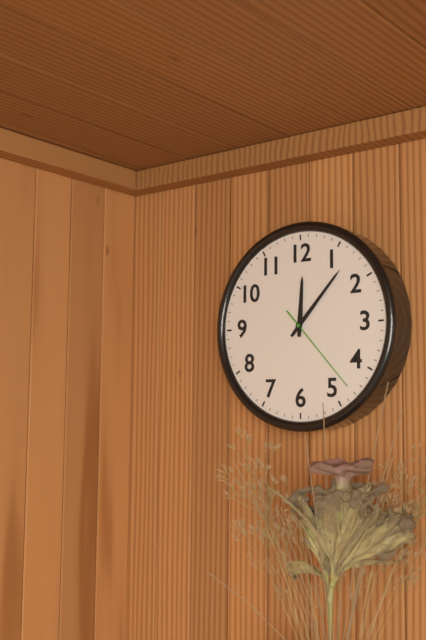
12 h 07 min 23 s
